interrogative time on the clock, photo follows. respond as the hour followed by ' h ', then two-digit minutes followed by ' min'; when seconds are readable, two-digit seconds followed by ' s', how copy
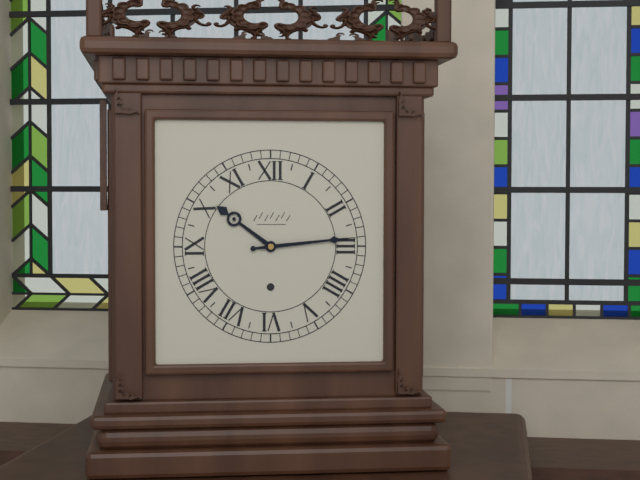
10 h 14 min
